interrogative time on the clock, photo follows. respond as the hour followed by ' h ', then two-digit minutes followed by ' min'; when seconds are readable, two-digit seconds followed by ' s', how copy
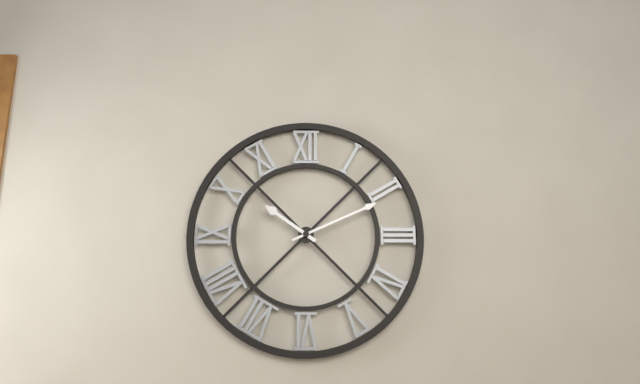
10 h 11 min
